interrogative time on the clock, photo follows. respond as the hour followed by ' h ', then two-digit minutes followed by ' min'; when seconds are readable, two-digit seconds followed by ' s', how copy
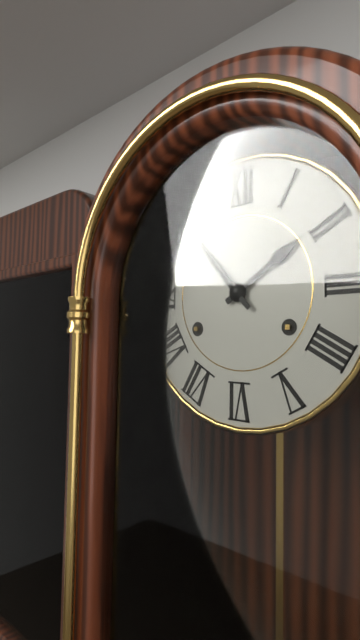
1 h 53 min
